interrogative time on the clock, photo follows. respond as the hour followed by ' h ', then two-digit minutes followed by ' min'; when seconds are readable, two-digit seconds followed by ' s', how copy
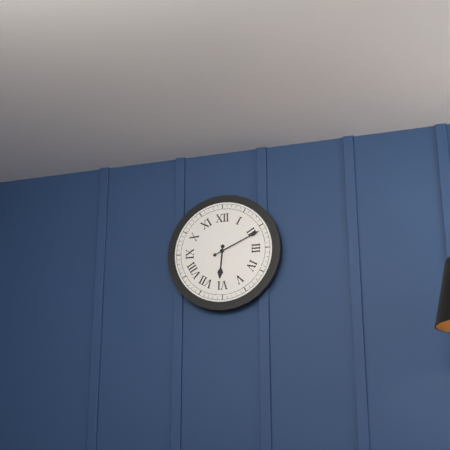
6 h 11 min
